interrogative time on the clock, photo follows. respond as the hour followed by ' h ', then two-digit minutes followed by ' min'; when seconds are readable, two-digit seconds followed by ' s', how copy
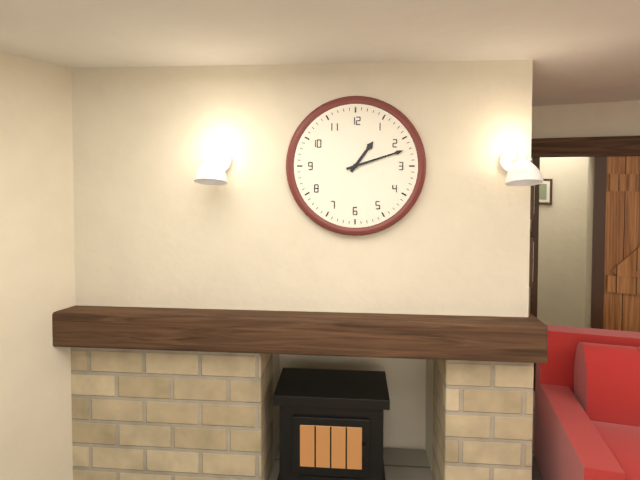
1 h 12 min
